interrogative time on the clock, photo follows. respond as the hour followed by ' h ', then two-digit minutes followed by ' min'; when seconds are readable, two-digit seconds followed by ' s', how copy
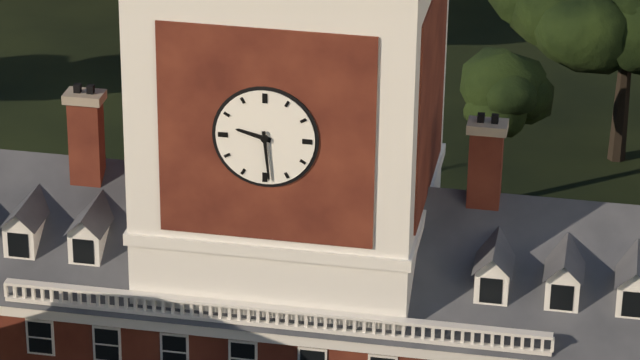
9 h 29 min
